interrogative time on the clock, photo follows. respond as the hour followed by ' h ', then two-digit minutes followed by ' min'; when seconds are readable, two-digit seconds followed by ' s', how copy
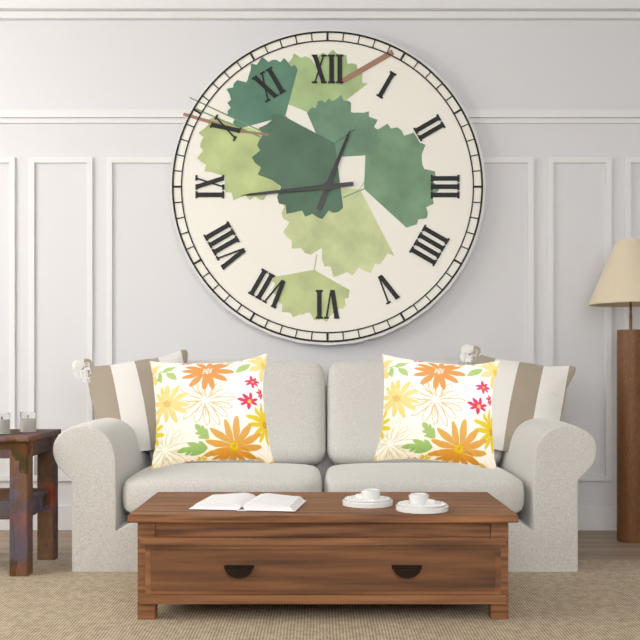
12 h 44 min
